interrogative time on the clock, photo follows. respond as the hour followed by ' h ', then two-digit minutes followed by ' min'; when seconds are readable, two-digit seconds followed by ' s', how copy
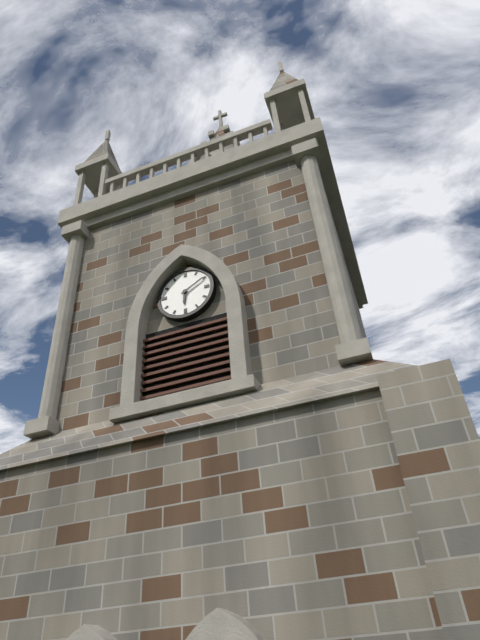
6 h 10 min
